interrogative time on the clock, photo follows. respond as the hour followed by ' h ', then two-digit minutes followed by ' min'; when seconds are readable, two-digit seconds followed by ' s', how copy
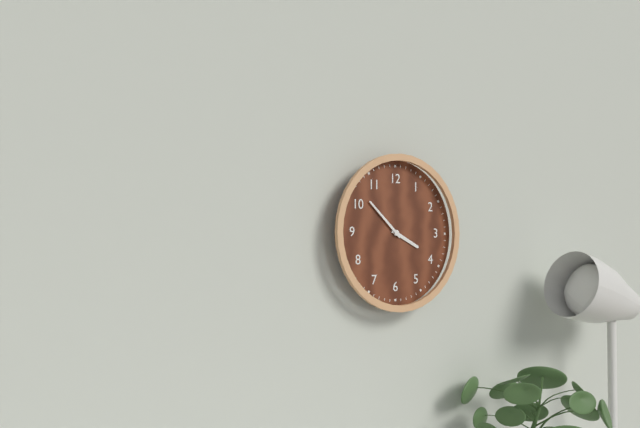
3 h 52 min
